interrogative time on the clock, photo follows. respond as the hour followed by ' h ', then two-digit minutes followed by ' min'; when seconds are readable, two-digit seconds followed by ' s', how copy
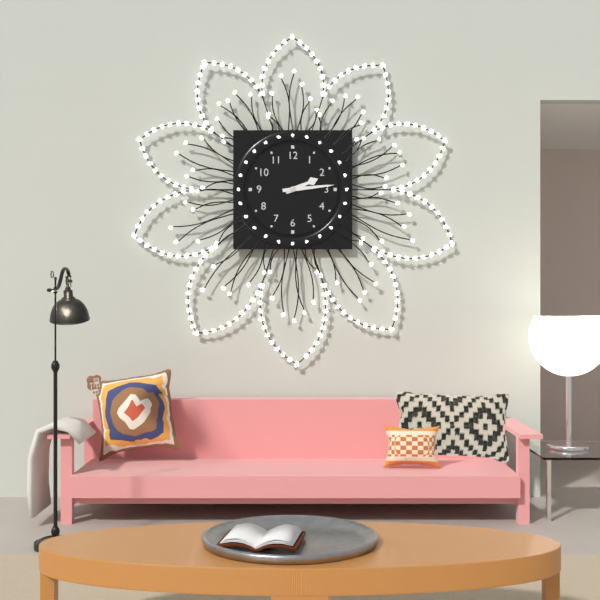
2 h 14 min
